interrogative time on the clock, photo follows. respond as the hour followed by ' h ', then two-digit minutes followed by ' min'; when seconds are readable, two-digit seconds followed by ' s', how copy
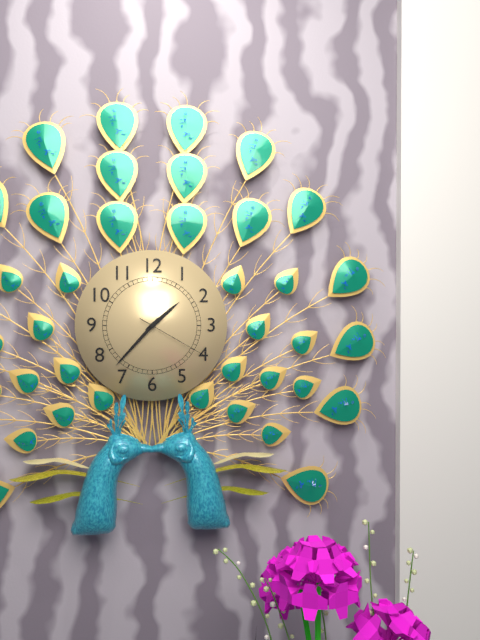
1 h 37 min 20 s
